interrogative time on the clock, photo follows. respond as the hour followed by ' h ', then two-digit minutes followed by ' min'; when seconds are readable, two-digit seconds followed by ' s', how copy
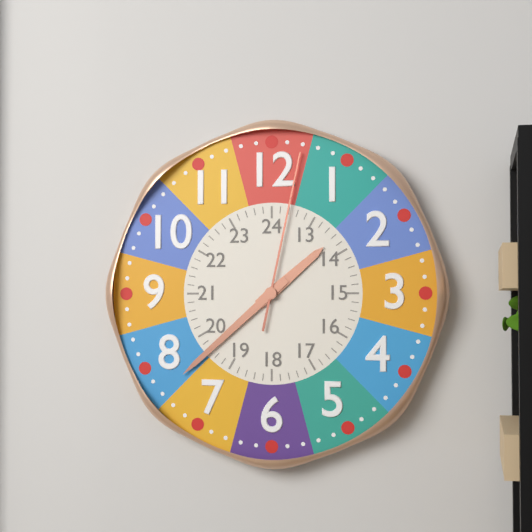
1 h 38 min 02 s
